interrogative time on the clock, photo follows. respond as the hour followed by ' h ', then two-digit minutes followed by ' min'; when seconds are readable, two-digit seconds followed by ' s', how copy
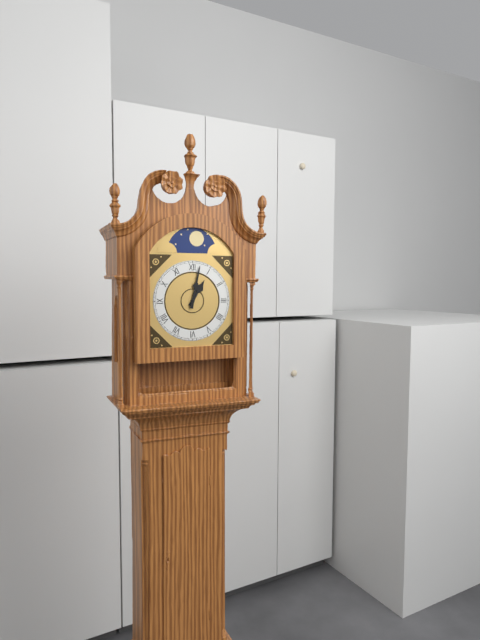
1 h 02 min
